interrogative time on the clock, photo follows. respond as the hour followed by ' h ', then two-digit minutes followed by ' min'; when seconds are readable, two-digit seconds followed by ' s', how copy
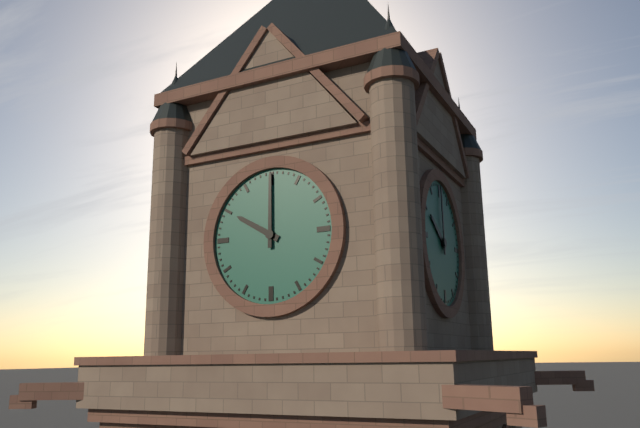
10 h 00 min
